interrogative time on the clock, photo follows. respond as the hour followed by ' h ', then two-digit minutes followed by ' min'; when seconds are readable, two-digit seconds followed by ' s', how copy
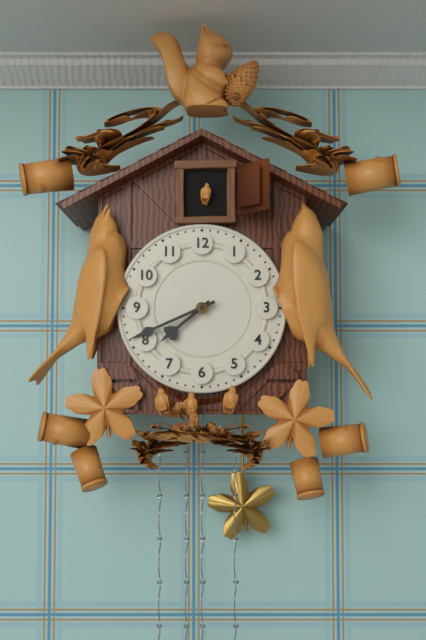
7 h 41 min
